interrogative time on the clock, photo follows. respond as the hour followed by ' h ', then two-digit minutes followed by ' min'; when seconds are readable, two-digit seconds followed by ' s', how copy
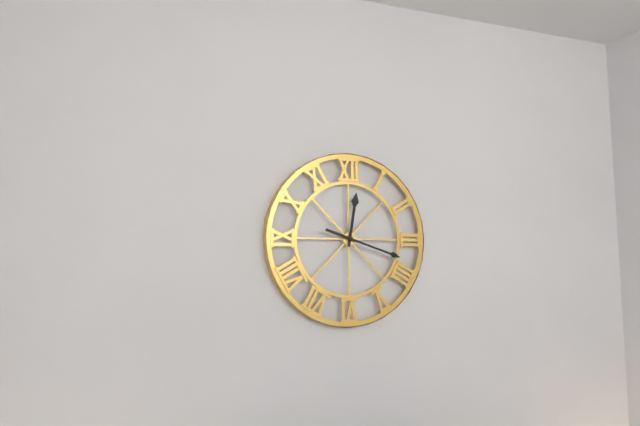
12 h 18 min
